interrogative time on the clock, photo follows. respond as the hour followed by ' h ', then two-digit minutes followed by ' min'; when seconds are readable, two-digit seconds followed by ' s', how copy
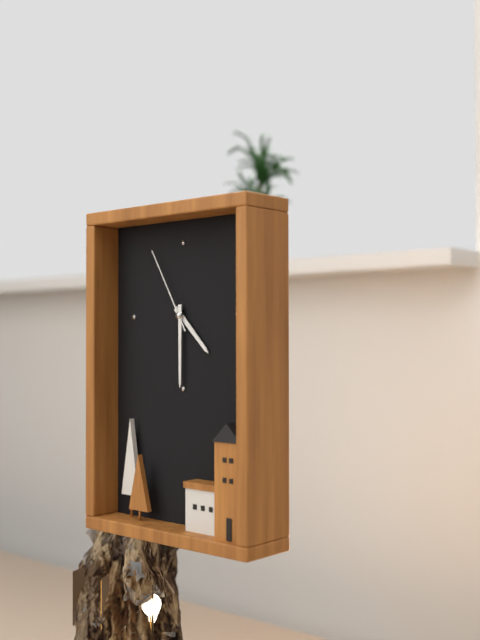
4 h 30 min 55 s
